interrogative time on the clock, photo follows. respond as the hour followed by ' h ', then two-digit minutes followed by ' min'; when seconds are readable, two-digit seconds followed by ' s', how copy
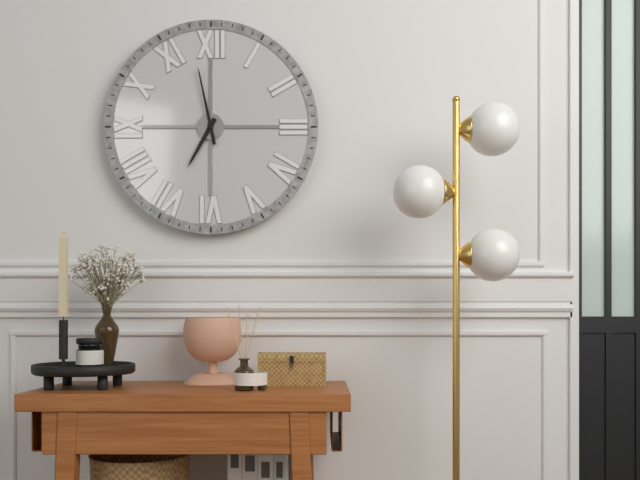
6 h 58 min
